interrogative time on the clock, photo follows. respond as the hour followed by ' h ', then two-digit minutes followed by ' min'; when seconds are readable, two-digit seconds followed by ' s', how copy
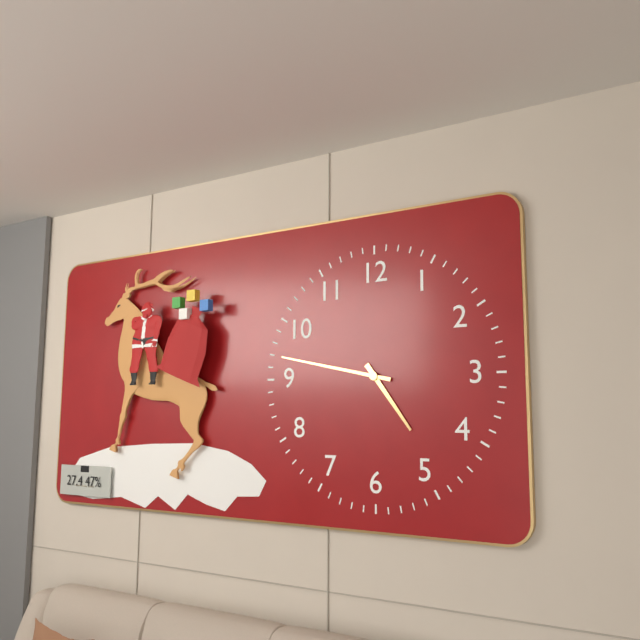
4 h 47 min
